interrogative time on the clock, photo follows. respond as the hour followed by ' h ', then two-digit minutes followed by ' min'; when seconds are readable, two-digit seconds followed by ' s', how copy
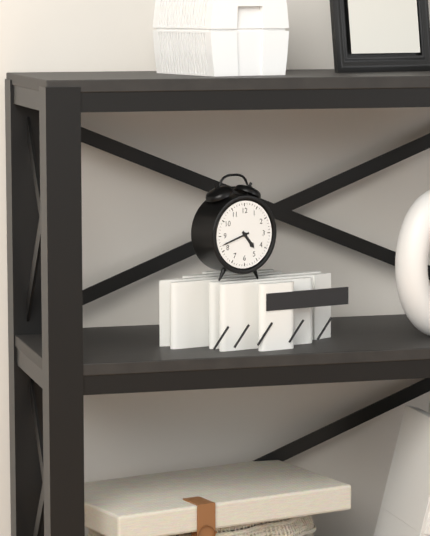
4 h 42 min
